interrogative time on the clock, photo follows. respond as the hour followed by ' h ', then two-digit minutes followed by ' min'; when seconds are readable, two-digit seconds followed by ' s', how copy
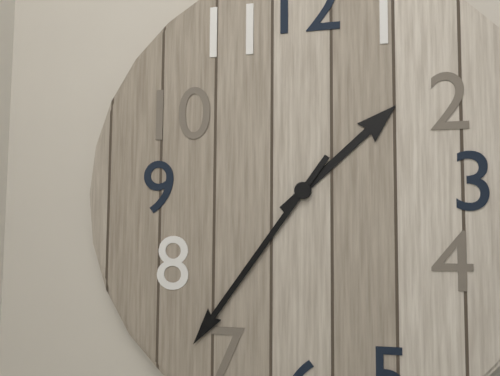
1 h 36 min
